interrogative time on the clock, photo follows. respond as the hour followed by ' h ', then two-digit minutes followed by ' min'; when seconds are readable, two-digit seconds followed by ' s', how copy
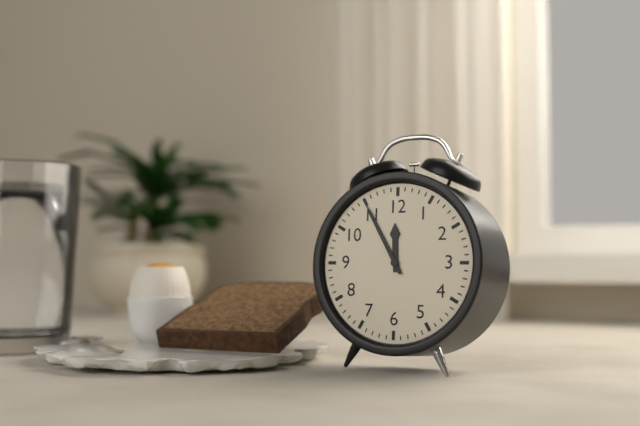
11 h 55 min
